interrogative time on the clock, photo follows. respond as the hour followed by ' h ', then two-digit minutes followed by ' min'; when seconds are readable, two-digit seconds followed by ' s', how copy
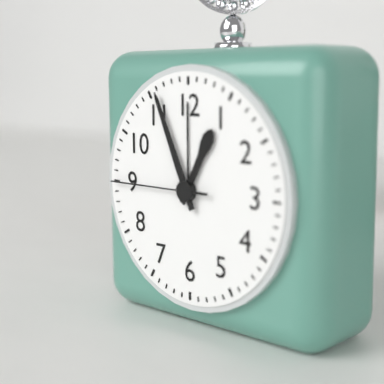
12 h 56 min 45 s
